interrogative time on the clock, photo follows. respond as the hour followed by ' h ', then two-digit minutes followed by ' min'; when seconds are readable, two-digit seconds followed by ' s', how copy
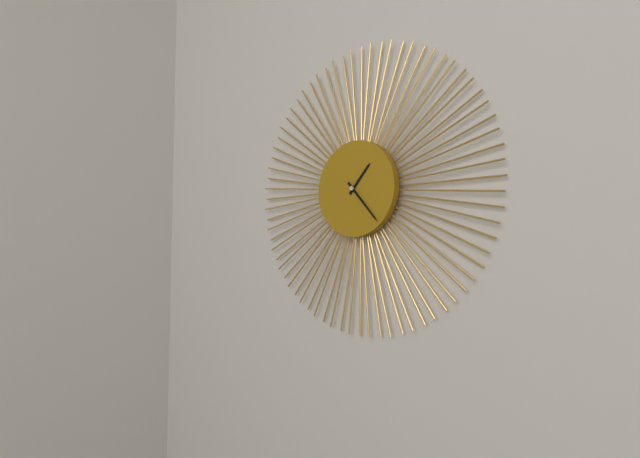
1 h 23 min
